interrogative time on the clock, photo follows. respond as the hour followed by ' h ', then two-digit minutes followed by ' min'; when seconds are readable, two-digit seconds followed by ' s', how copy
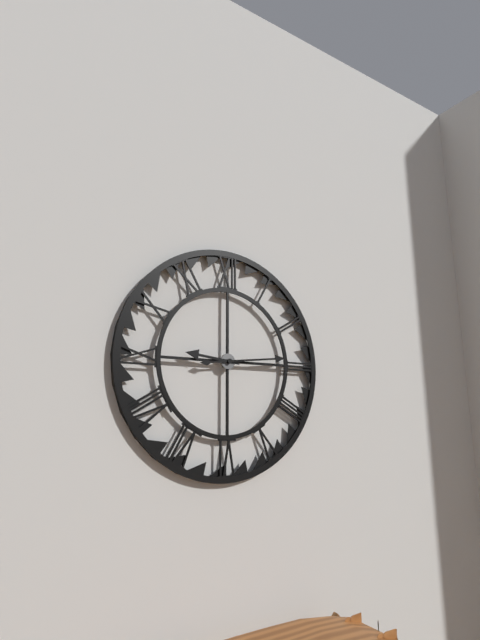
9 h 14 min
